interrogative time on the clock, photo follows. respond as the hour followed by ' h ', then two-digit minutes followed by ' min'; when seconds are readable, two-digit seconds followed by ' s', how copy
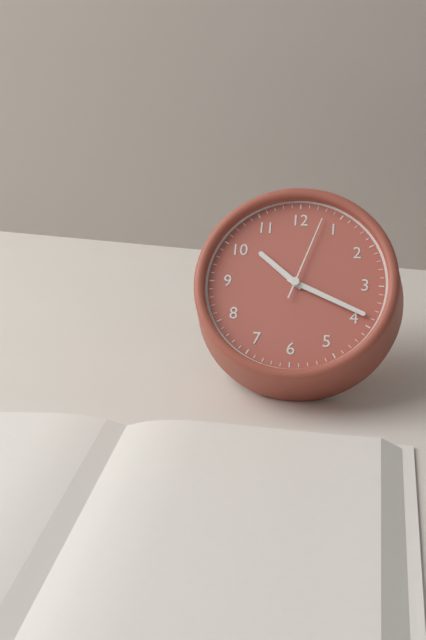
10 h 19 min 03 s
